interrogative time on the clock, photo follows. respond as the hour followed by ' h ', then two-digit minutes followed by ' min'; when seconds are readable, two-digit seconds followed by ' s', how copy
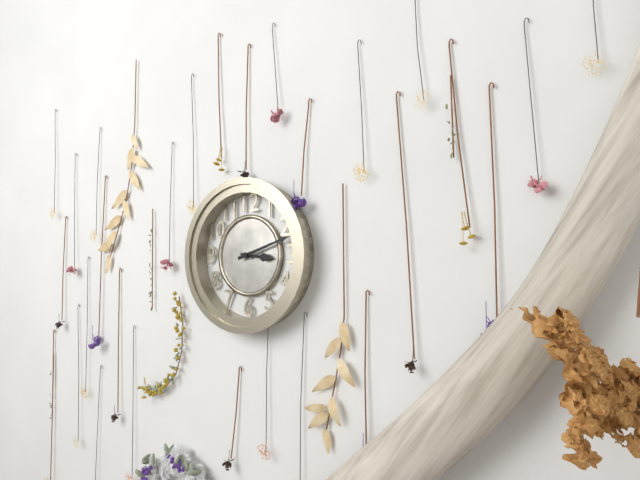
3 h 12 min
